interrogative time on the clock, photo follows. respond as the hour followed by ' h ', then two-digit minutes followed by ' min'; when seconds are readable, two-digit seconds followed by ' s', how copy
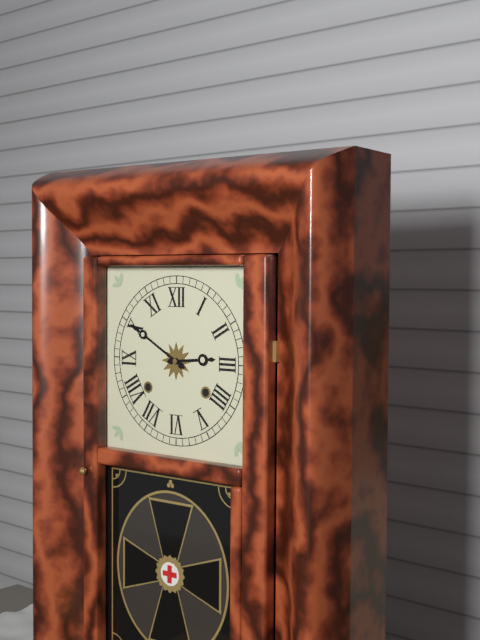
2 h 50 min
